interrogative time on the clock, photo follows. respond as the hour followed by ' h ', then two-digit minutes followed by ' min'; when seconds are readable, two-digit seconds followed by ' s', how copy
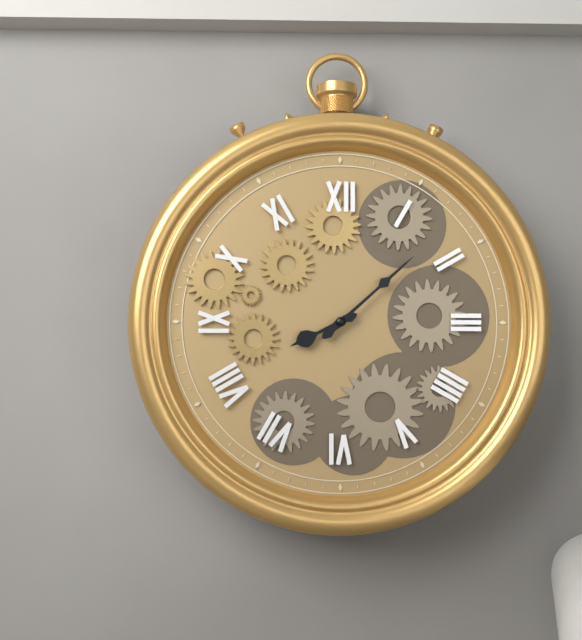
8 h 08 min
